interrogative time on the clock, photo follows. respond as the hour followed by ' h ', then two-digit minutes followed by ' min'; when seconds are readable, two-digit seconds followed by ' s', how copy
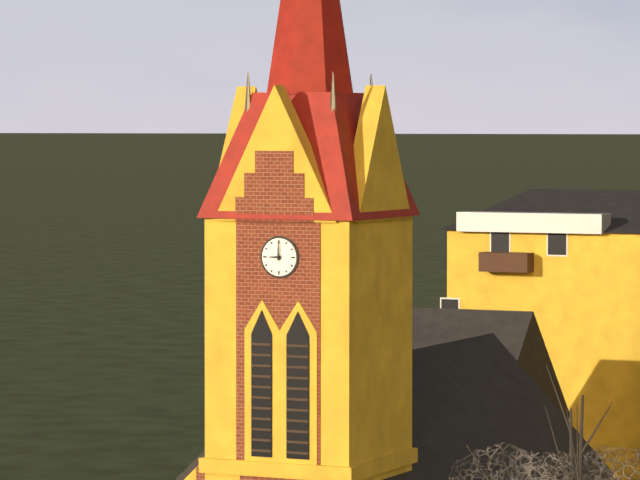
9 h 00 min
